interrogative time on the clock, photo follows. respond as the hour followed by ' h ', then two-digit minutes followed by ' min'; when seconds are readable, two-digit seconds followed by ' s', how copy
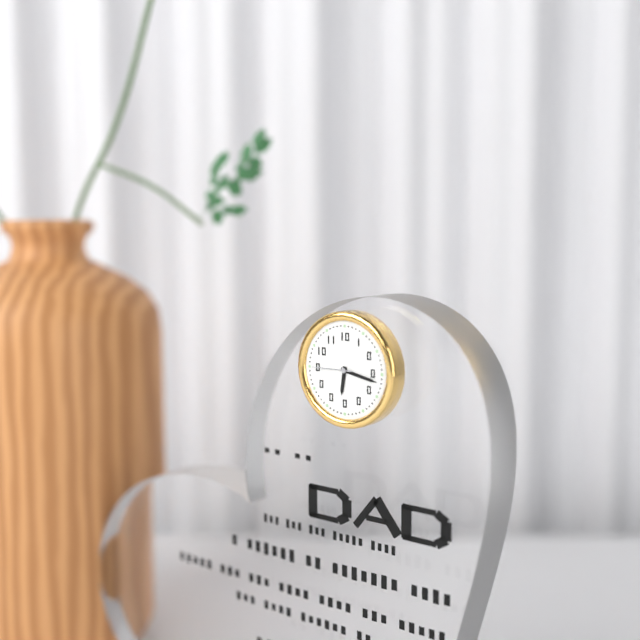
6 h 17 min 45 s
